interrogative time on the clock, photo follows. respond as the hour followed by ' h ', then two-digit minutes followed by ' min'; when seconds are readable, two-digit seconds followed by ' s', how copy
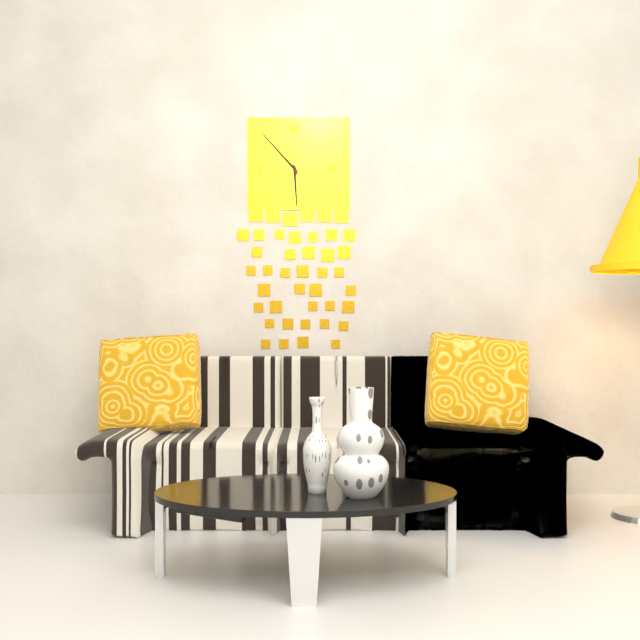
5 h 53 min
